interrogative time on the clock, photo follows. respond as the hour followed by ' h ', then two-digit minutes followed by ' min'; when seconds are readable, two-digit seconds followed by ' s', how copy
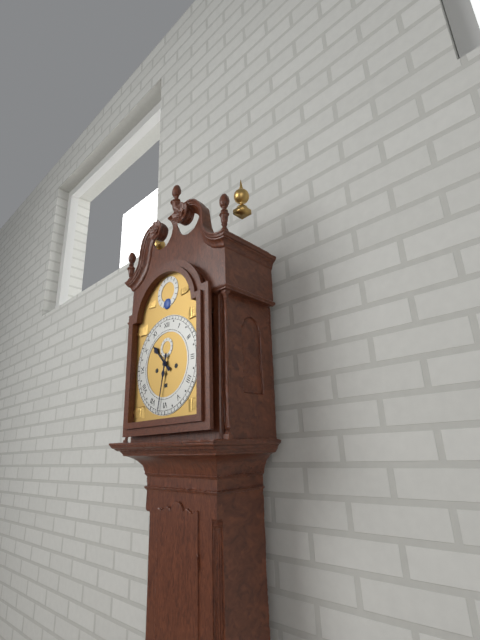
10 h 32 min
